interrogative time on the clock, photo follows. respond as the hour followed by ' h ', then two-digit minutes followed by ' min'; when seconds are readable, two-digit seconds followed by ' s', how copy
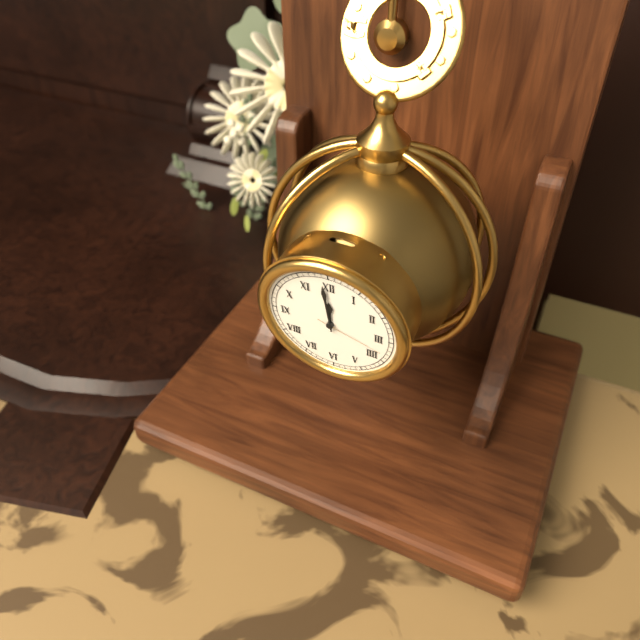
11 h 59 min 18 s
